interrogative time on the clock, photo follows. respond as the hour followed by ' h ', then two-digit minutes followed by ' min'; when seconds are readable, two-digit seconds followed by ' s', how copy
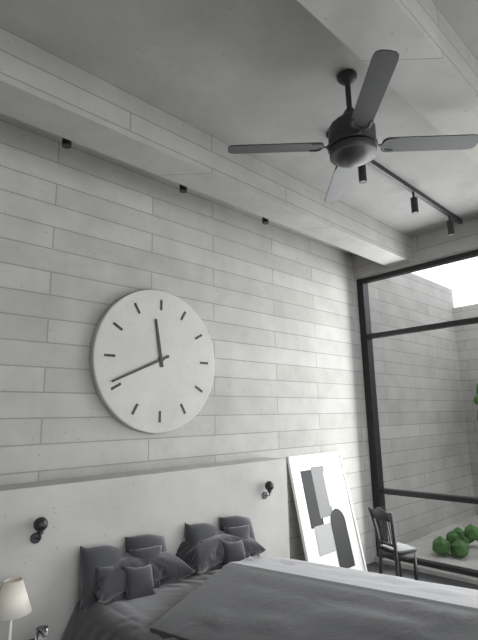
11 h 41 min
